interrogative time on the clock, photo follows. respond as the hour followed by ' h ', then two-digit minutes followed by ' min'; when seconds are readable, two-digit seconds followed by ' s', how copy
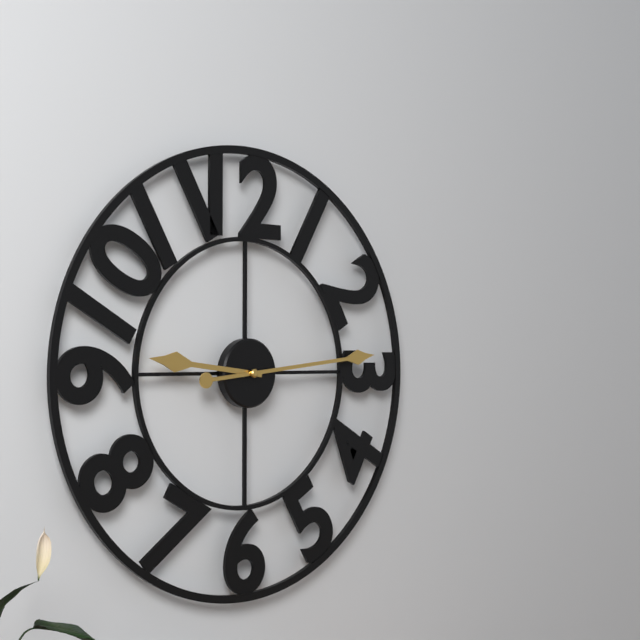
9 h 14 min
